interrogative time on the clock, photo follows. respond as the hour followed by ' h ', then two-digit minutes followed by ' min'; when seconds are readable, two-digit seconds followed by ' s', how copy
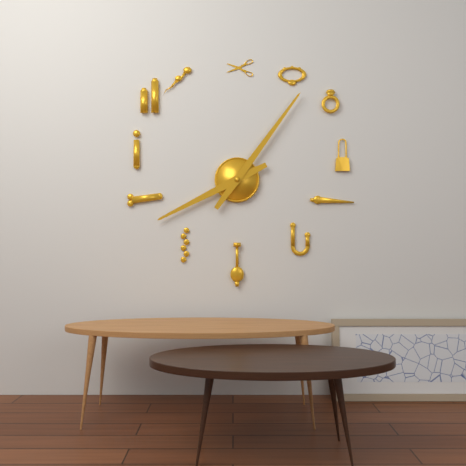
8 h 06 min
